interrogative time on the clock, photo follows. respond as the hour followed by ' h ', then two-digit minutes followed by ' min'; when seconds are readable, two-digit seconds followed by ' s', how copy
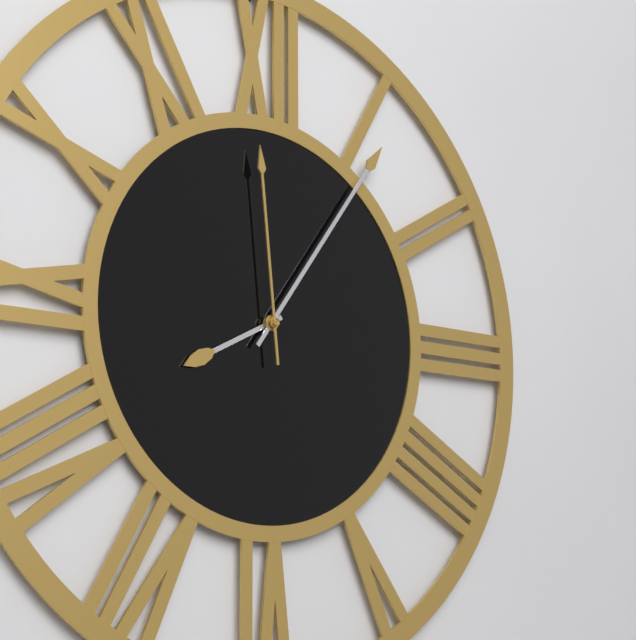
8 h 06 min 59 s
